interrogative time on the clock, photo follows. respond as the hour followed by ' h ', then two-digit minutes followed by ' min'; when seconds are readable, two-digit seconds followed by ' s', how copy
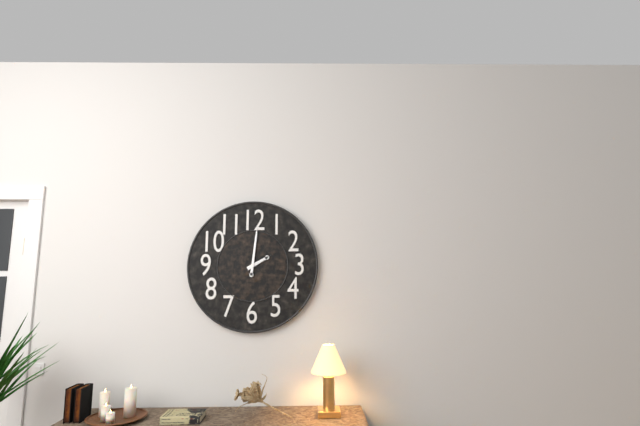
2 h 01 min
